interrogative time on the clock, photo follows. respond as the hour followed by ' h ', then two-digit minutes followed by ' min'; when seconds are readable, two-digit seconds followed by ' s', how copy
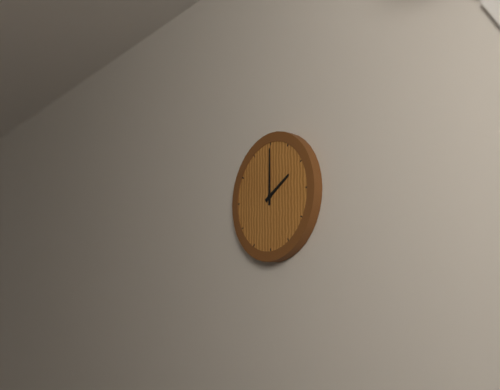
2 h 00 min
